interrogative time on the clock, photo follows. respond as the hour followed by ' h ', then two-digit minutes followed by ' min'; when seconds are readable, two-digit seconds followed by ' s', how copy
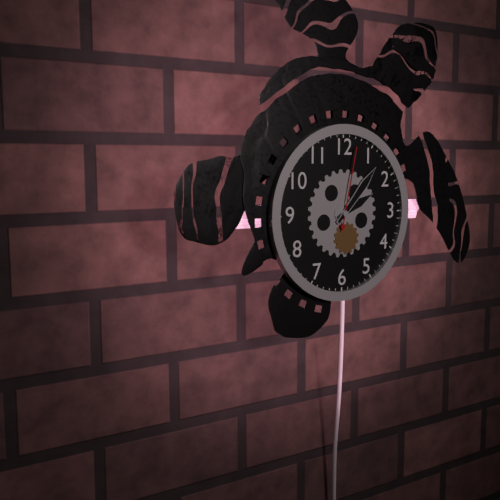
2 h 07 min 02 s
